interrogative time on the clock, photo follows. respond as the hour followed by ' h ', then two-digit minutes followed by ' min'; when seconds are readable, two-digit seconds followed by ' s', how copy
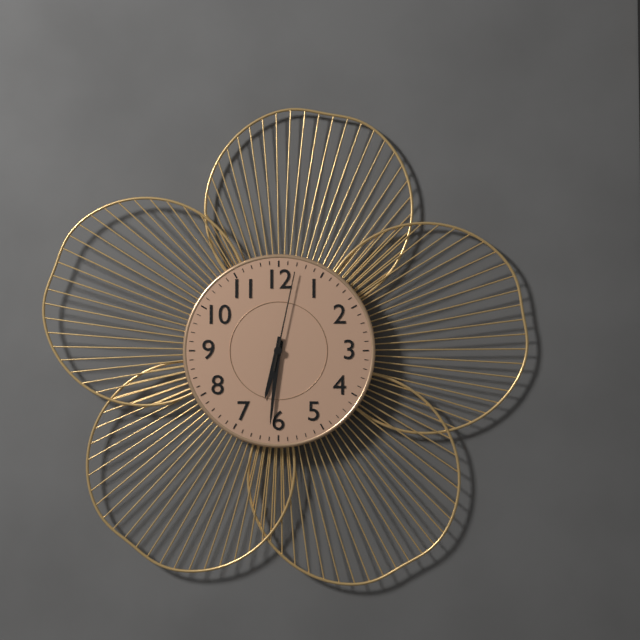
6 h 31 min 02 s
